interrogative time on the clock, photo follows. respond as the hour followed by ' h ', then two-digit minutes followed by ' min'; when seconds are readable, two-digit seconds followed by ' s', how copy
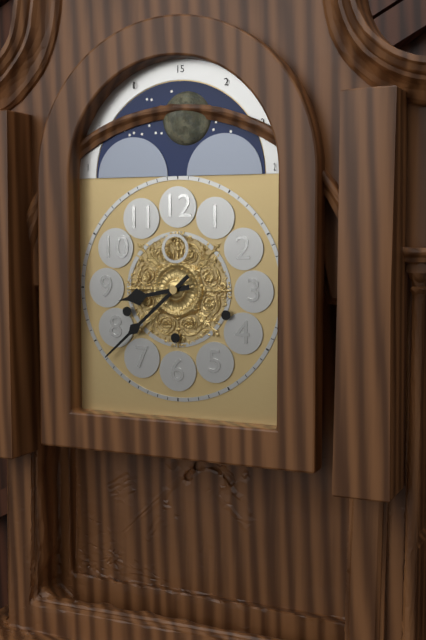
8 h 38 min
